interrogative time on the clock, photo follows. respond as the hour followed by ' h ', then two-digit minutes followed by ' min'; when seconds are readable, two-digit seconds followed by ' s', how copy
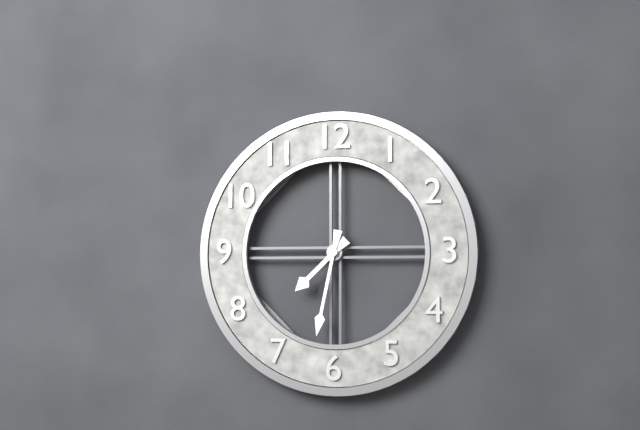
7 h 32 min
